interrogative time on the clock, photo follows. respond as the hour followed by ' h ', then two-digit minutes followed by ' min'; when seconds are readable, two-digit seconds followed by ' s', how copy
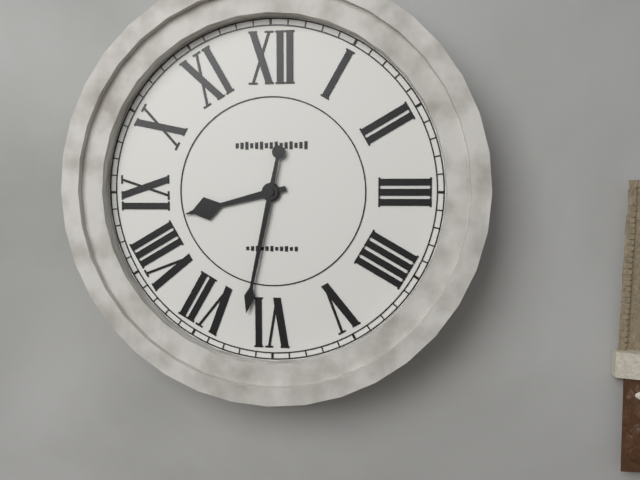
8 h 32 min
